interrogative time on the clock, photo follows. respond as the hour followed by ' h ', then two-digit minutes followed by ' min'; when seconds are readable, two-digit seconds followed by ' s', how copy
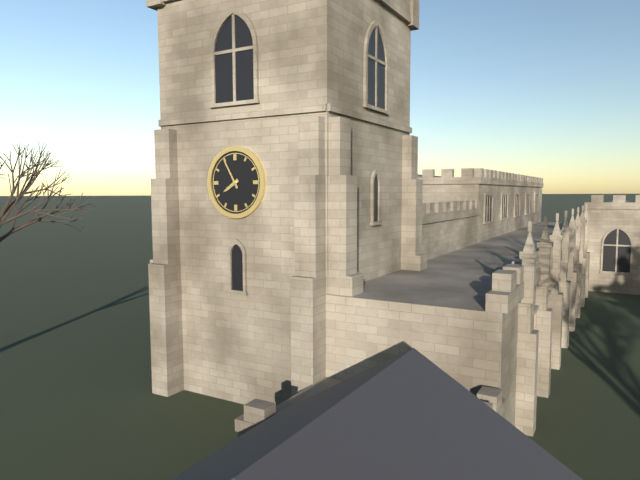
7 h 55 min
